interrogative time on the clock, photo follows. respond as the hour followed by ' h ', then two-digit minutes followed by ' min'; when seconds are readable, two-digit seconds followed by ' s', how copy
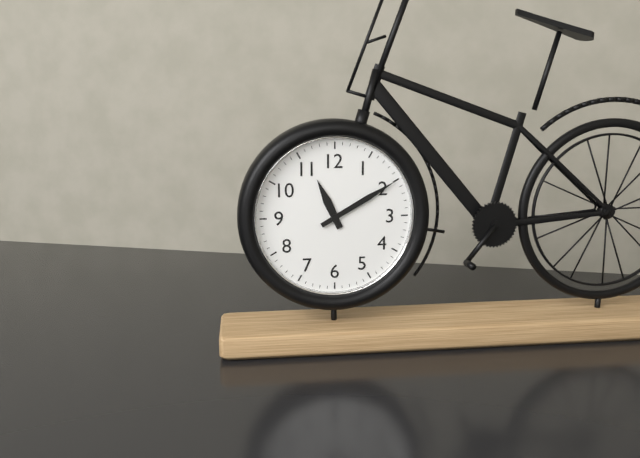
11 h 10 min
